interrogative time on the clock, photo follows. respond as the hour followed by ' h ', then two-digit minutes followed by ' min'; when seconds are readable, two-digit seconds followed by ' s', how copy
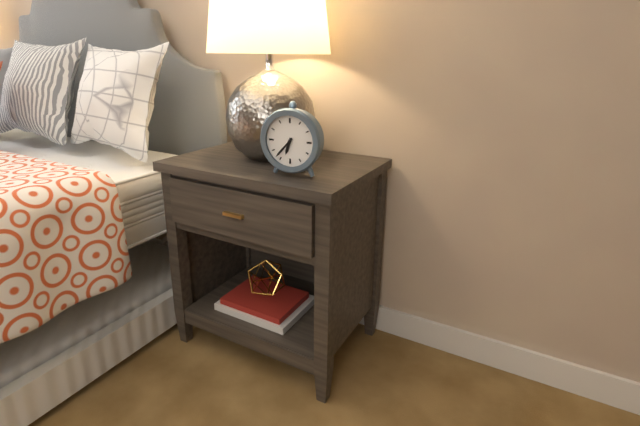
6 h 37 min
